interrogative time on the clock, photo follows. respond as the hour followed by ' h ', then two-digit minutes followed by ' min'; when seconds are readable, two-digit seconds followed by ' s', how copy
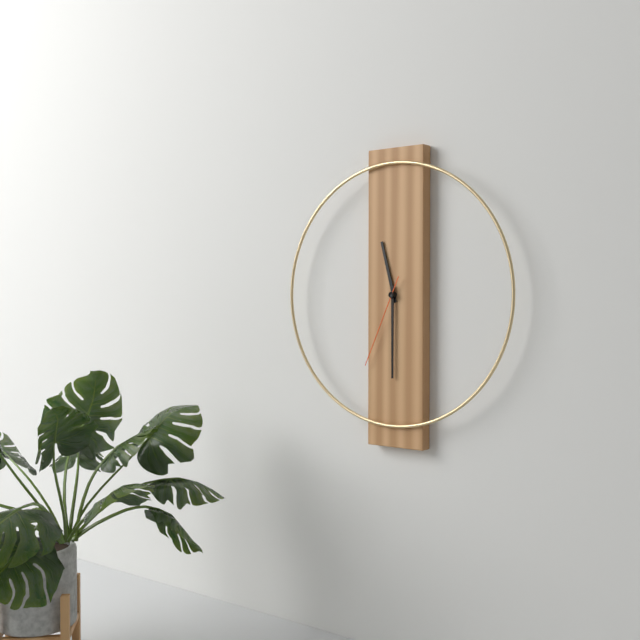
11 h 30 min 34 s
